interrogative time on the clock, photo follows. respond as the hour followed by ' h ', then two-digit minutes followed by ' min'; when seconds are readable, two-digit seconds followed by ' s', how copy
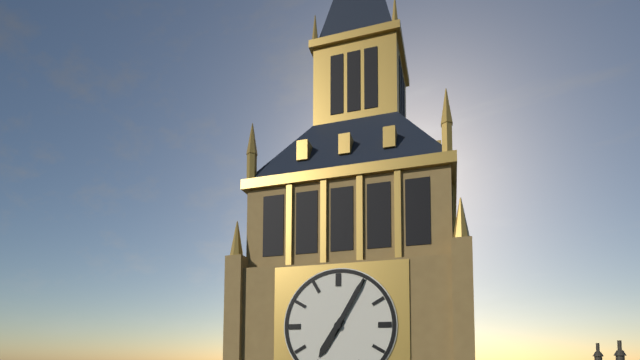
7 h 05 min
